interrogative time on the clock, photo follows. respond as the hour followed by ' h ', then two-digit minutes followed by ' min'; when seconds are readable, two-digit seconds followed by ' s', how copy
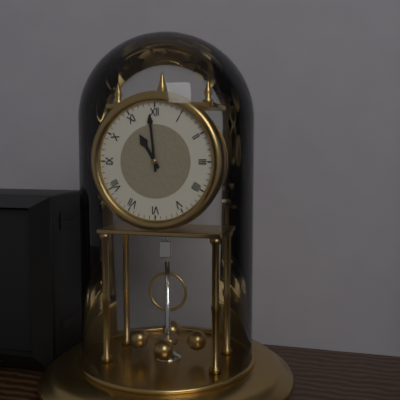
10 h 59 min
